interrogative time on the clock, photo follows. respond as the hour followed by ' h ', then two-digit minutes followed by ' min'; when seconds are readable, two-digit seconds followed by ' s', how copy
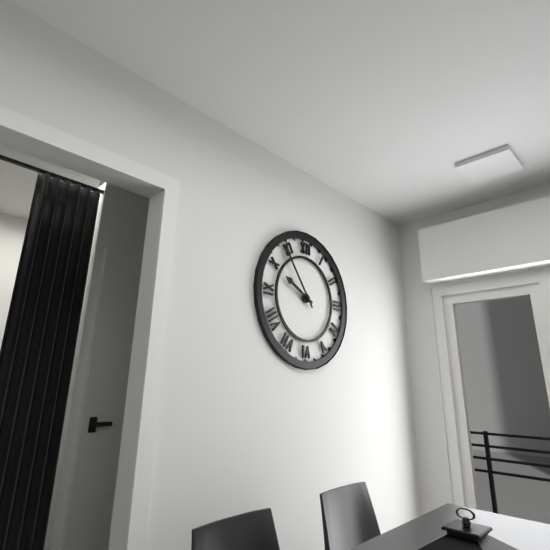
9 h 54 min
